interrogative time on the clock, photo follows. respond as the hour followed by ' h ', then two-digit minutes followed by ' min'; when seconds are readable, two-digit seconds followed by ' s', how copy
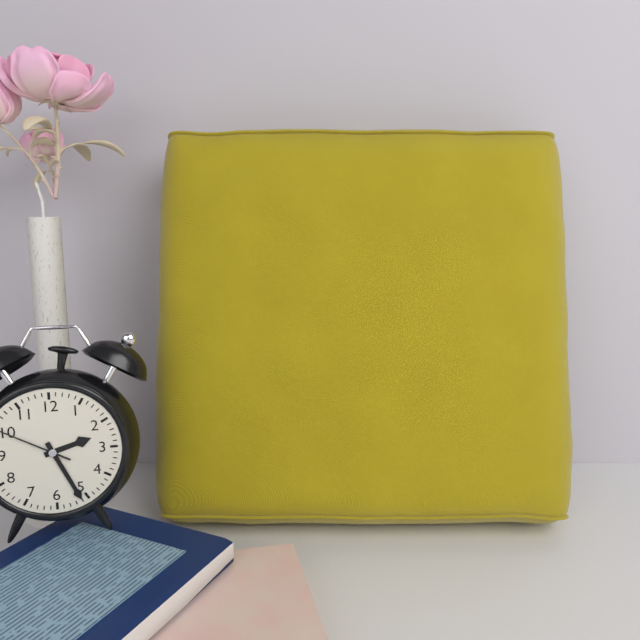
2 h 26 min
